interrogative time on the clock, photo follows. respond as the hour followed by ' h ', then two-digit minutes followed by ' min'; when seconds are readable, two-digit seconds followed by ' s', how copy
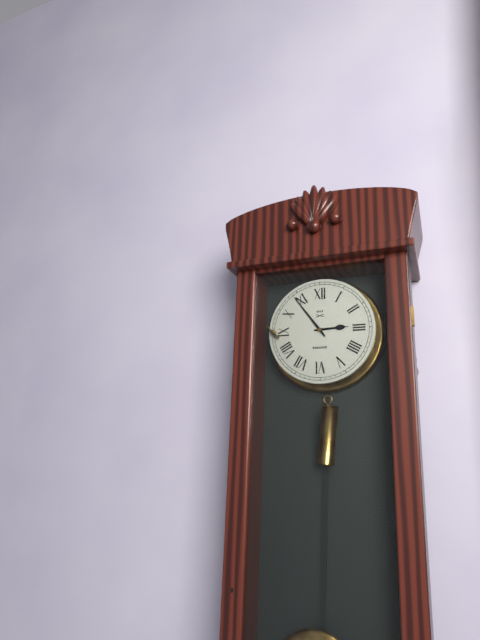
2 h 54 min
